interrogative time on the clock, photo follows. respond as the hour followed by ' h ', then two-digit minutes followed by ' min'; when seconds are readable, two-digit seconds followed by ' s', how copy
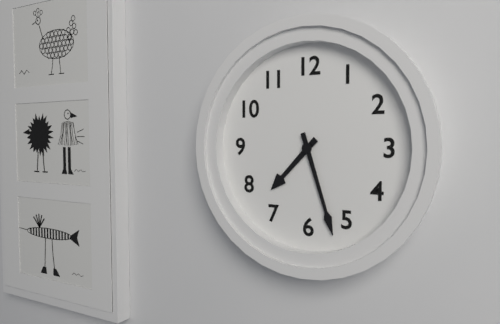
7 h 27 min
